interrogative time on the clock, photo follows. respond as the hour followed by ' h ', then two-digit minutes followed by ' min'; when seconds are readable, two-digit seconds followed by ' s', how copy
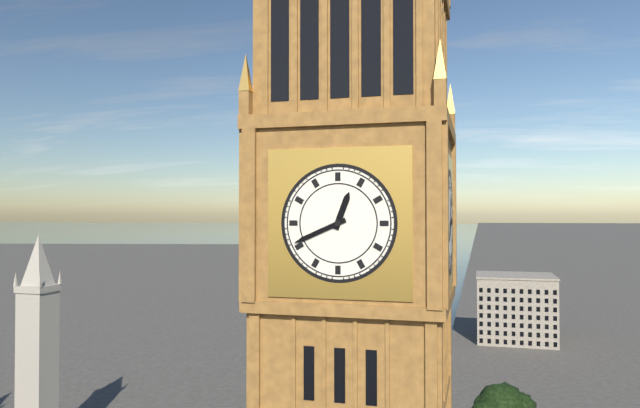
12 h 41 min
